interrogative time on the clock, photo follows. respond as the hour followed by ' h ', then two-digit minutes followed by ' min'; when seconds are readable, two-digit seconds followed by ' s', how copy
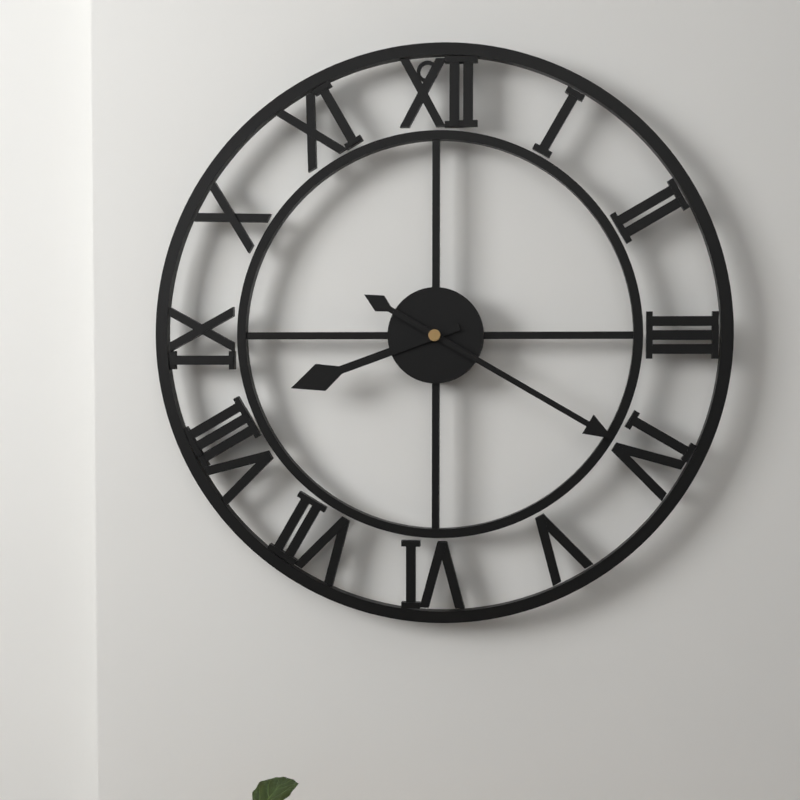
8 h 20 min
